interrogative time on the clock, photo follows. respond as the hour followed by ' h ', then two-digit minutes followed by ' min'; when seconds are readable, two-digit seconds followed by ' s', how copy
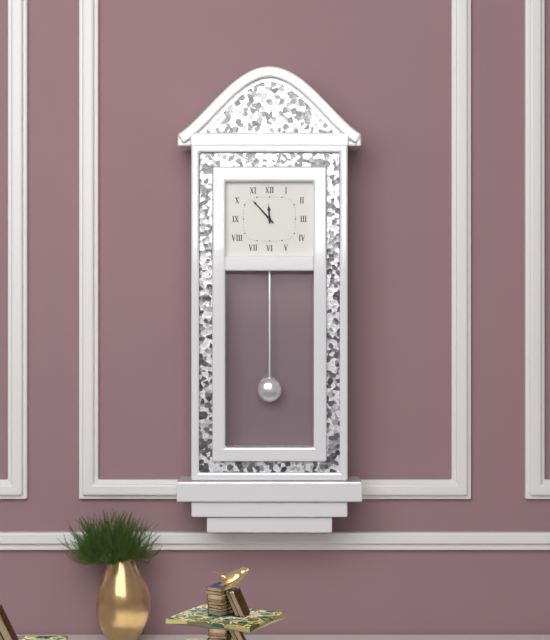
11 h 53 min
